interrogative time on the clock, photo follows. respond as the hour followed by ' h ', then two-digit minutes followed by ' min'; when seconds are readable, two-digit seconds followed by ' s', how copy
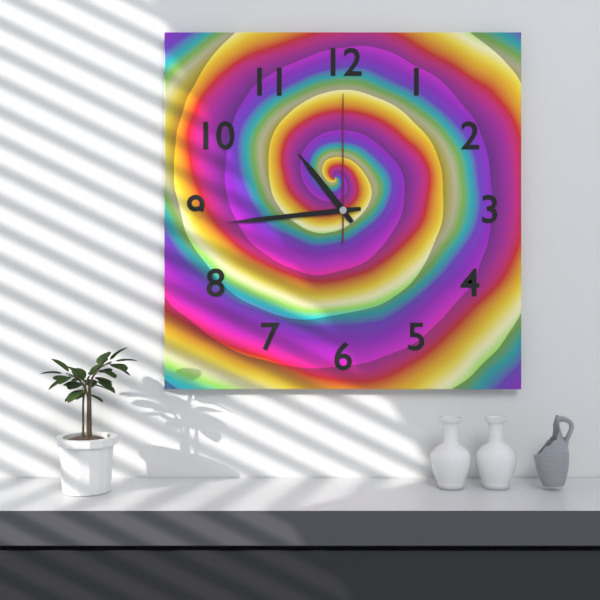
10 h 44 min 00 s
